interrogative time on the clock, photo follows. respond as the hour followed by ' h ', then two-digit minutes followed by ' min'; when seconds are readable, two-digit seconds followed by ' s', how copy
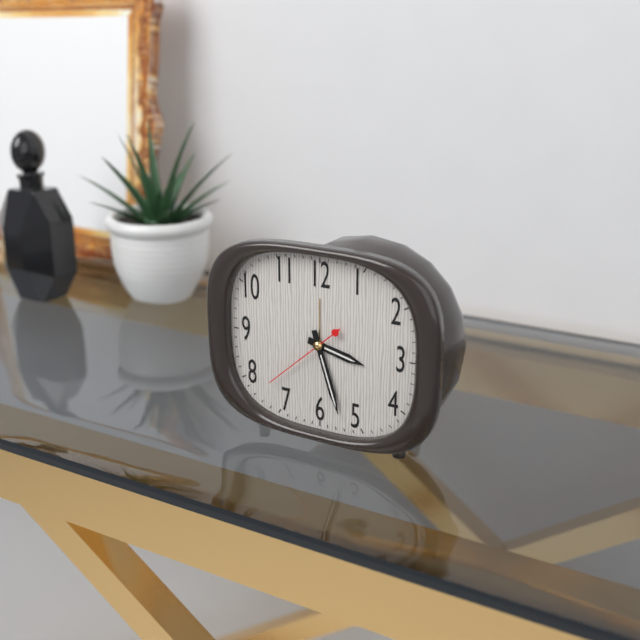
3 h 27 min 38 s
